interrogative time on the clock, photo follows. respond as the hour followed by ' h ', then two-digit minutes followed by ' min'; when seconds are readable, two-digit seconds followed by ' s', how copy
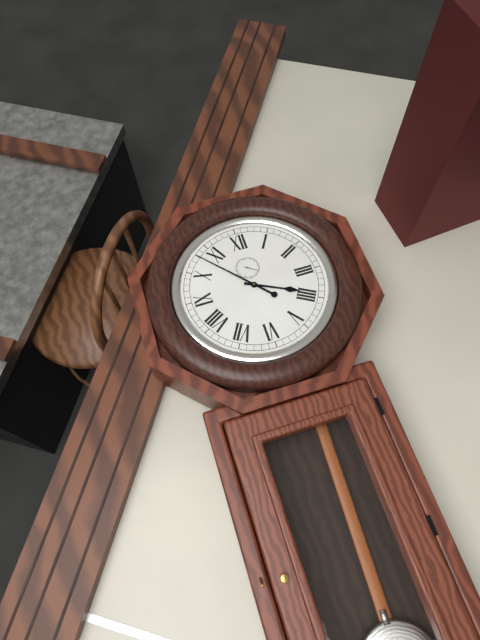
3 h 53 min
